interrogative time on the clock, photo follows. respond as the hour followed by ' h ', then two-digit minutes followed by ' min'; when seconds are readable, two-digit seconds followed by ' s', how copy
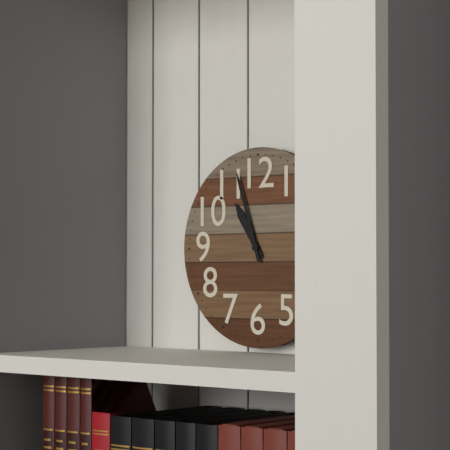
10 h 57 min
